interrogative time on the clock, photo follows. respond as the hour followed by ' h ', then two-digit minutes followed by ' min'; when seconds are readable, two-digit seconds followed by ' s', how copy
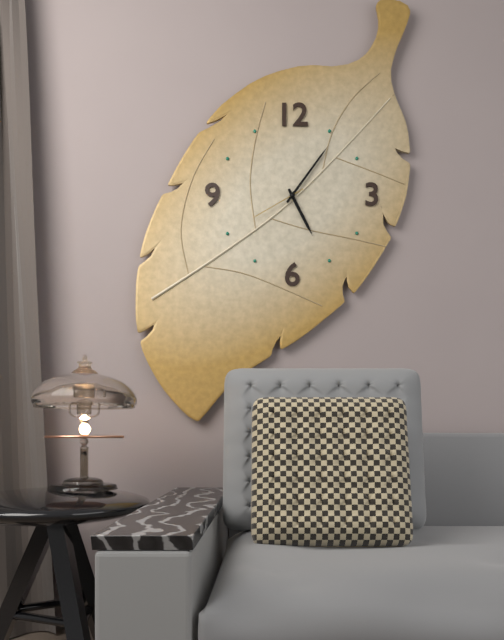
5 h 06 min 40 s
